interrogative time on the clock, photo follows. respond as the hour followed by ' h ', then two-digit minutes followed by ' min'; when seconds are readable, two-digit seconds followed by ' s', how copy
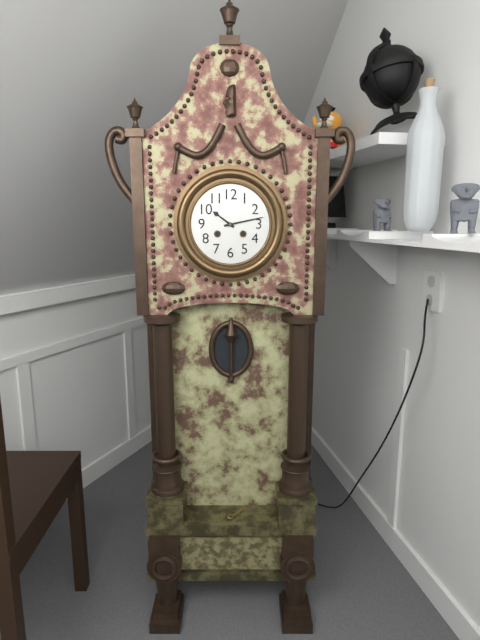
10 h 13 min
